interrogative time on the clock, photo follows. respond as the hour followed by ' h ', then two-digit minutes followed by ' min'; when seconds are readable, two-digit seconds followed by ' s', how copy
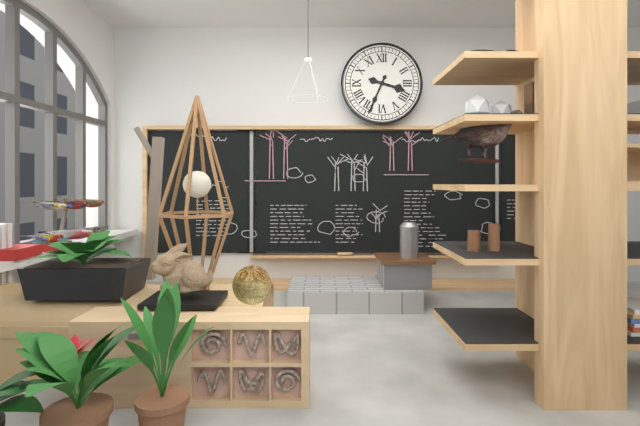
3 h 34 min
